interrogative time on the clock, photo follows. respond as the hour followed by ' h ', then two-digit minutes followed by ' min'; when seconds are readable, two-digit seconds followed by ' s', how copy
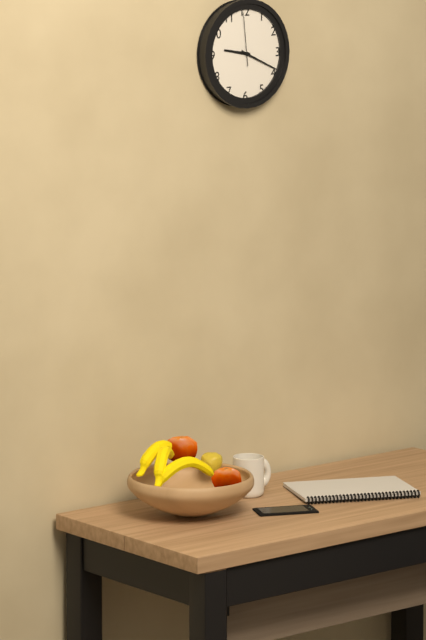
9 h 19 min 59 s
